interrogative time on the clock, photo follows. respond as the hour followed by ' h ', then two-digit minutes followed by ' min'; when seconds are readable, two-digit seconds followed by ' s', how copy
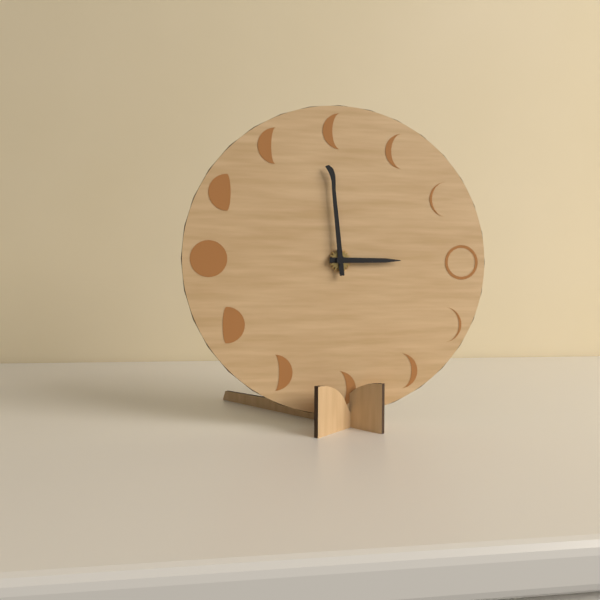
2 h 59 min
